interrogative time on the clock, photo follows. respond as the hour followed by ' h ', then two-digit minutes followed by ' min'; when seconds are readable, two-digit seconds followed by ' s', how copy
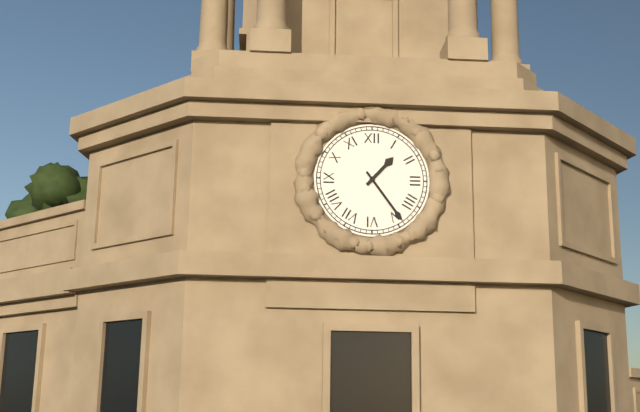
1 h 24 min
